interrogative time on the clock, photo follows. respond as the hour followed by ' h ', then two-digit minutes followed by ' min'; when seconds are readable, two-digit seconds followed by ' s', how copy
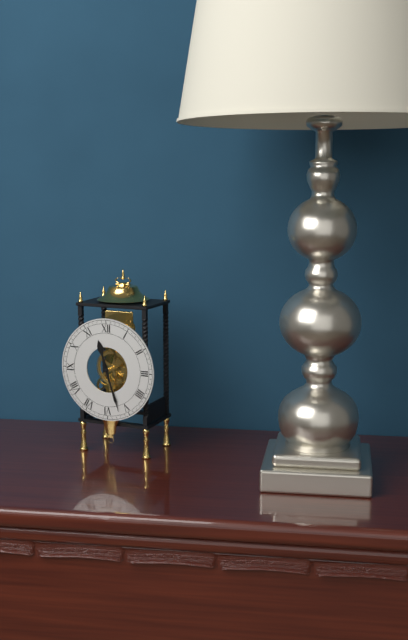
11 h 27 min
